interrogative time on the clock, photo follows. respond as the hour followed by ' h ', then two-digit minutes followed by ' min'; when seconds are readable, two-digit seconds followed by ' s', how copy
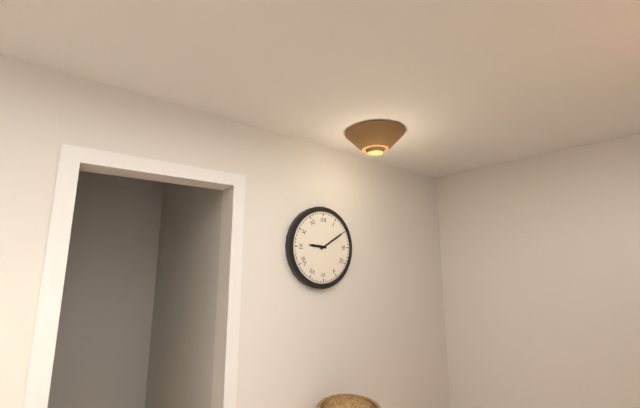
9 h 10 min
